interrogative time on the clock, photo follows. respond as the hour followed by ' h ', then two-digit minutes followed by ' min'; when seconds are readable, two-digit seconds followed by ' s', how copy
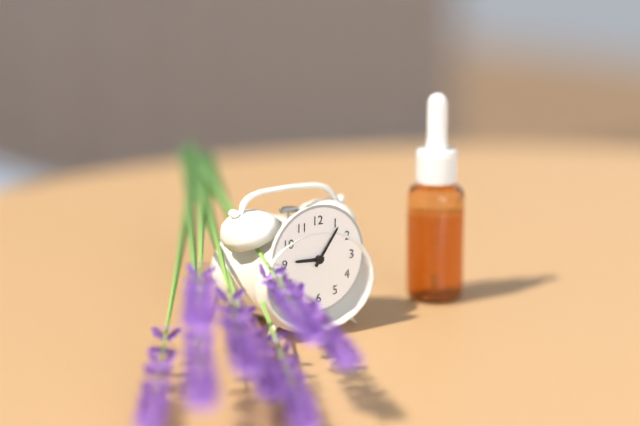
9 h 06 min
